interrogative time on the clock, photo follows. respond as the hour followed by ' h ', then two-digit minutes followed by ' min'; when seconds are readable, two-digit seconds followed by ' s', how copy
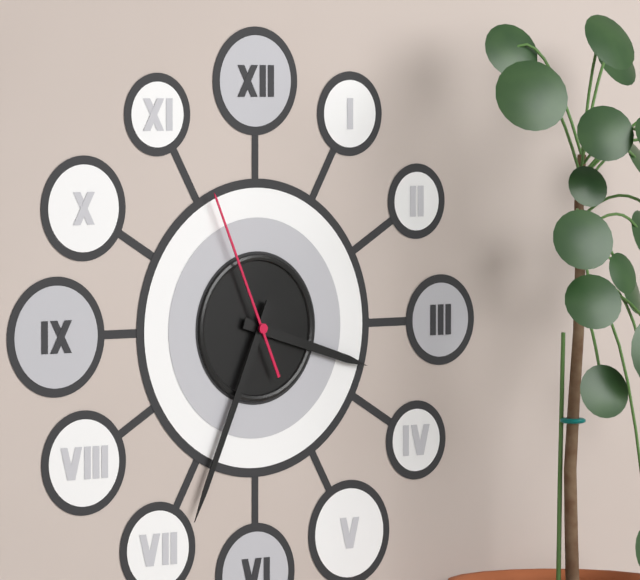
3 h 34 min 56 s
